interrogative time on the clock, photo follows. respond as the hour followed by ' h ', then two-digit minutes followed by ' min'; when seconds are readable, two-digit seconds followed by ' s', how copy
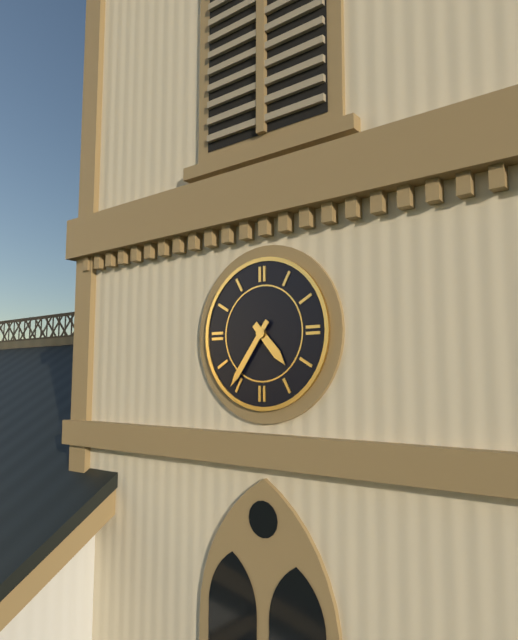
4 h 36 min
